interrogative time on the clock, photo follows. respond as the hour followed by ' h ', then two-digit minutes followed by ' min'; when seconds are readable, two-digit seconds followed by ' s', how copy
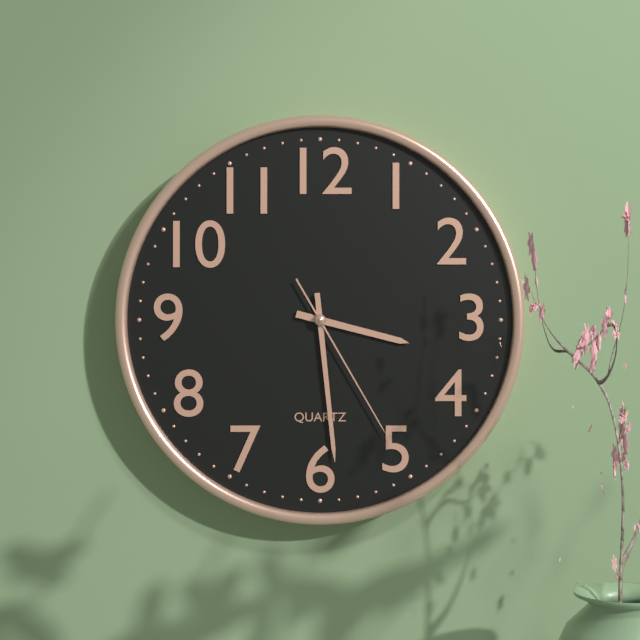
3 h 29 min 25 s
